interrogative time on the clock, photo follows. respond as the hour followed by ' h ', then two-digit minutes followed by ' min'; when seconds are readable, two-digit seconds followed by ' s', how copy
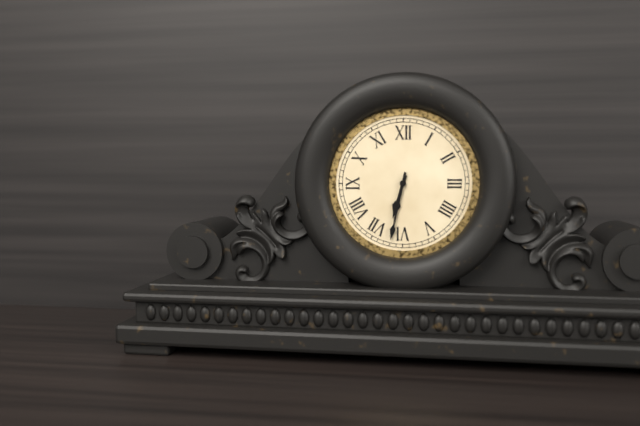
6 h 32 min
